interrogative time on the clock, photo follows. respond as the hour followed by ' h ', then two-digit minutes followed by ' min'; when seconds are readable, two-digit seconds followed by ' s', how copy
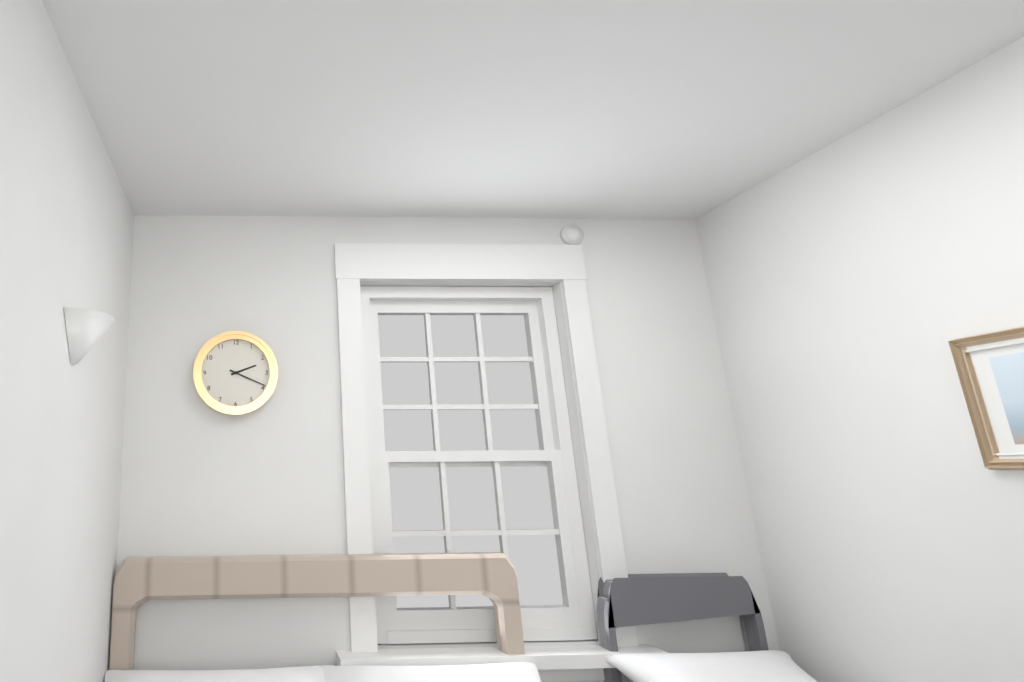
2 h 19 min
